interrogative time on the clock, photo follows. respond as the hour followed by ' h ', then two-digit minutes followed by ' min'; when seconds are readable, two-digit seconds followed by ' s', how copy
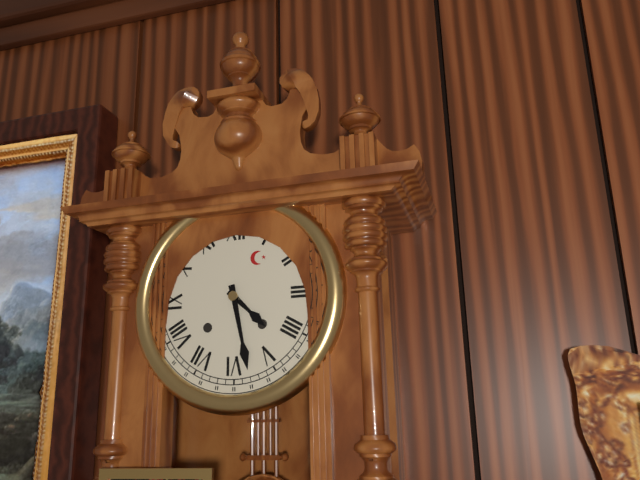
4 h 28 min
